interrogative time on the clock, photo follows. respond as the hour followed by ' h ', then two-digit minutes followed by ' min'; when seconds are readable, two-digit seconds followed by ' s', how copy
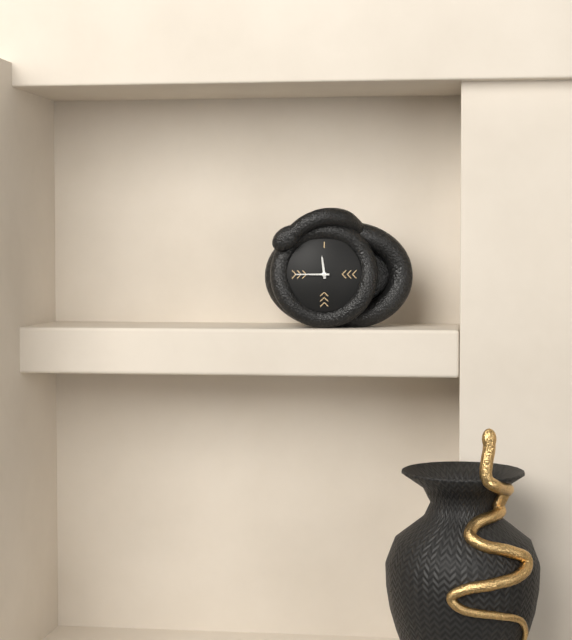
11 h 45 min
